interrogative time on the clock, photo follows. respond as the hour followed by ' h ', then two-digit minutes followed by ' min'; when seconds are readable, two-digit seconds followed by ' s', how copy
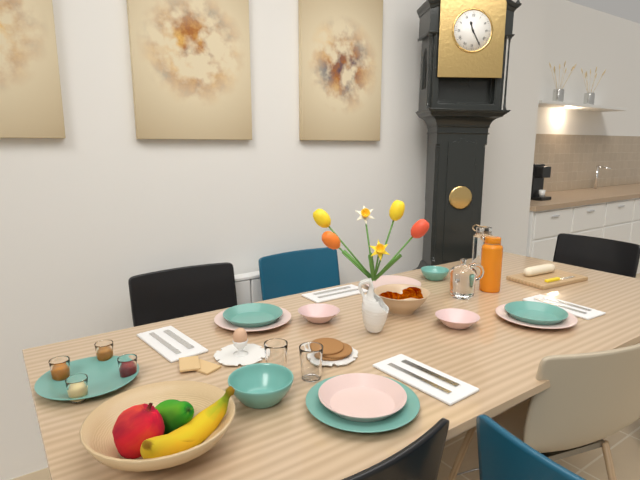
11 h 25 min
